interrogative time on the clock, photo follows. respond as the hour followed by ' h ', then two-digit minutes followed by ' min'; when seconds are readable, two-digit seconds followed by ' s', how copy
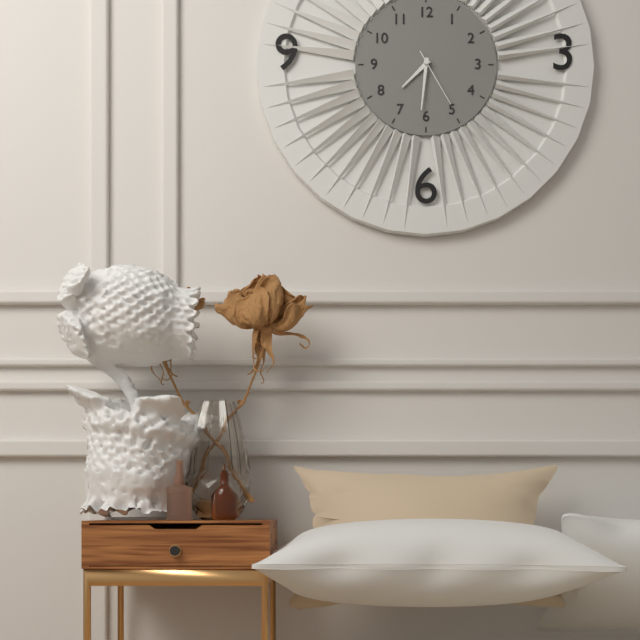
7 h 31 min 25 s
